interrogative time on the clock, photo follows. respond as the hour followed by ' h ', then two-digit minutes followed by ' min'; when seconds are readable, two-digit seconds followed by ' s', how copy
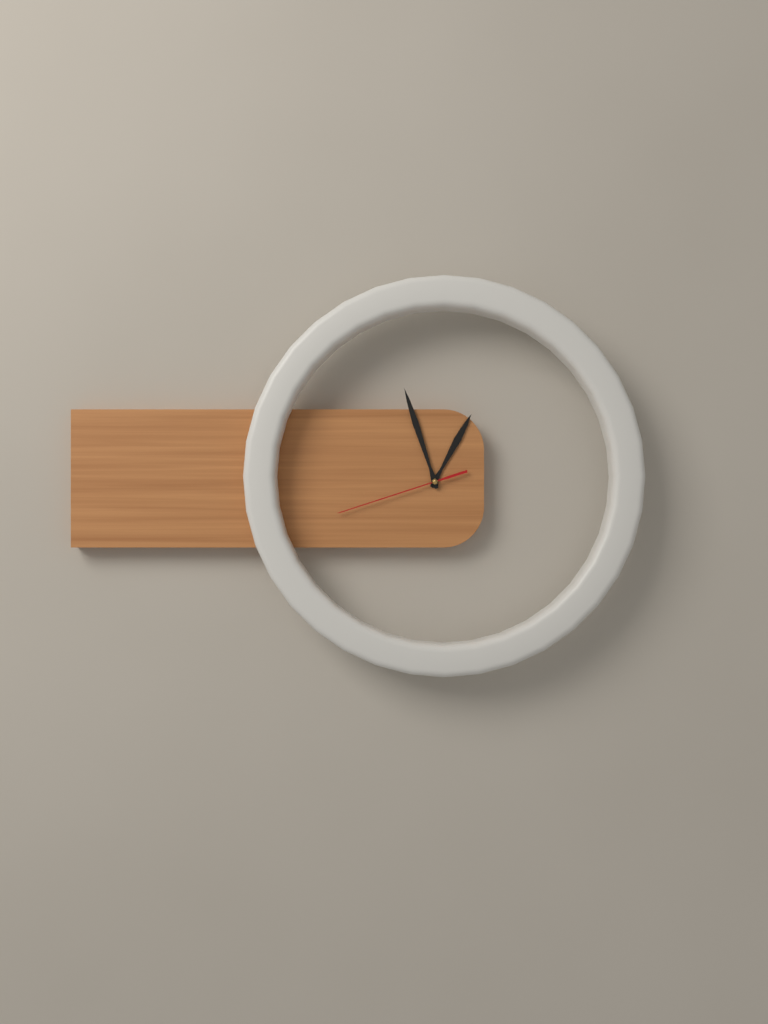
12 h 57 min 42 s
